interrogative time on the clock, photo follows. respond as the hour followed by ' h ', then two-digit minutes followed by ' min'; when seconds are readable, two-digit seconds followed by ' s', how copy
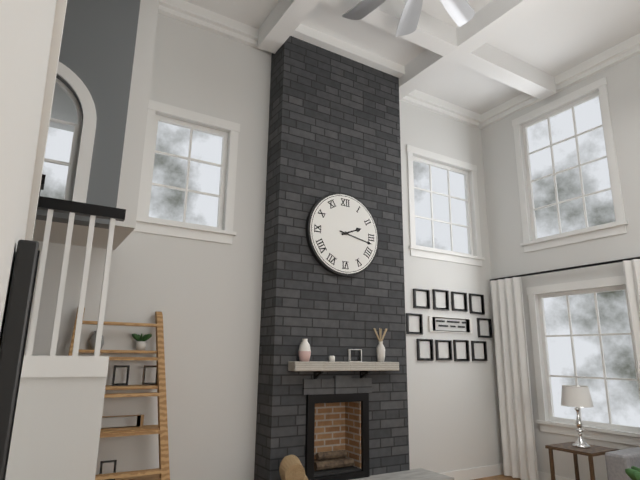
2 h 17 min
